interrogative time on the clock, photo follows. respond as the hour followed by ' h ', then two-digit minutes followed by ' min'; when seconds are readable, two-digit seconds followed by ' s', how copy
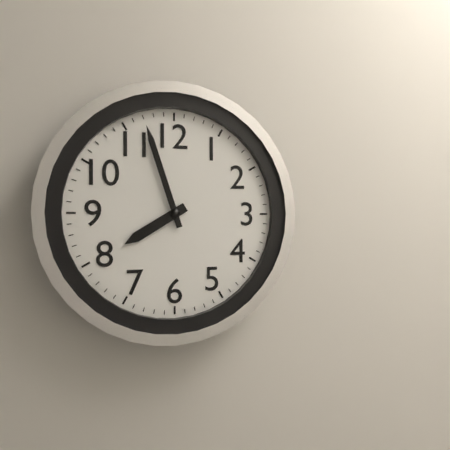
7 h 57 min
